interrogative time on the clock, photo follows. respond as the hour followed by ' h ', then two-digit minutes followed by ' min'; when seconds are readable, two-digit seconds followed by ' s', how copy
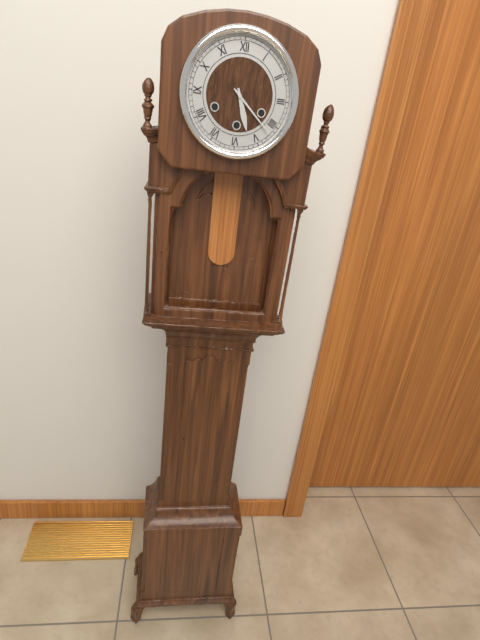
5 h 22 min
